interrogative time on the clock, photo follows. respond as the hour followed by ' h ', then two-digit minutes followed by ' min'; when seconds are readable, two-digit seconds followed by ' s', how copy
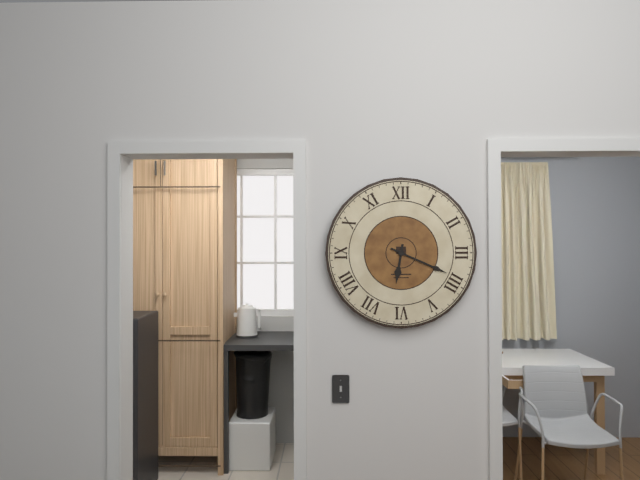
6 h 19 min
